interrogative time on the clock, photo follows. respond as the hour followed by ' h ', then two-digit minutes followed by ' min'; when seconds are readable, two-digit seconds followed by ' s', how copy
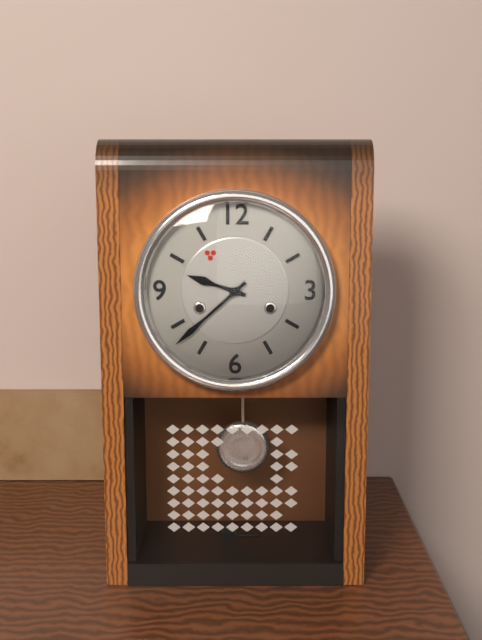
9 h 38 min
